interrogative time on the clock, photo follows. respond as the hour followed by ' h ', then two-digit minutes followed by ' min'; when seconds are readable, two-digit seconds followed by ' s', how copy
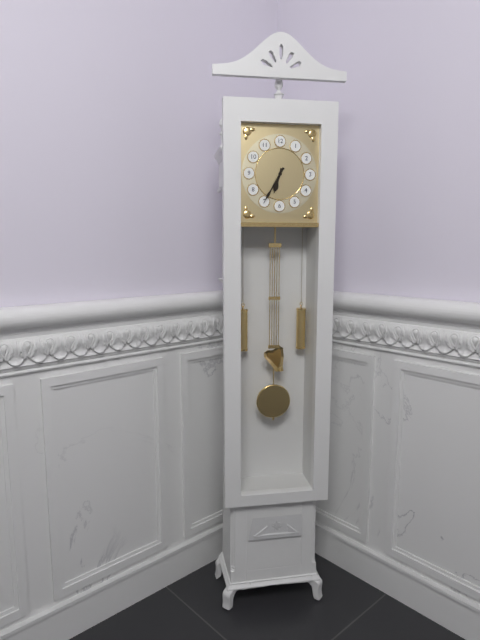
6 h 35 min
